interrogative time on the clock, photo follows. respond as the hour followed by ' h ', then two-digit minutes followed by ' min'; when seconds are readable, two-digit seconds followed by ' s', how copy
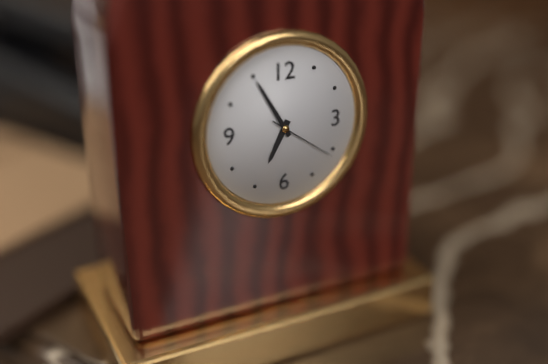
6 h 55 min 21 s
